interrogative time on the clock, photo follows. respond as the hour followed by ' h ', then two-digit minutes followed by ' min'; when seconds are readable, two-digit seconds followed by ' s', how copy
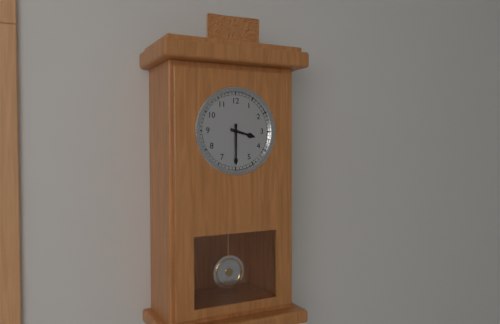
3 h 30 min
